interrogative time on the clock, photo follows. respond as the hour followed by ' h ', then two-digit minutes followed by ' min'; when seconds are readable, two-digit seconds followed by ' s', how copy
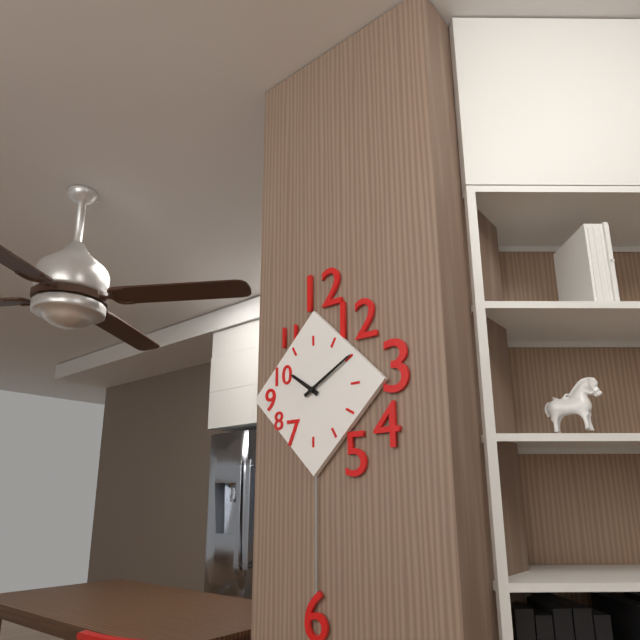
10 h 10 min
